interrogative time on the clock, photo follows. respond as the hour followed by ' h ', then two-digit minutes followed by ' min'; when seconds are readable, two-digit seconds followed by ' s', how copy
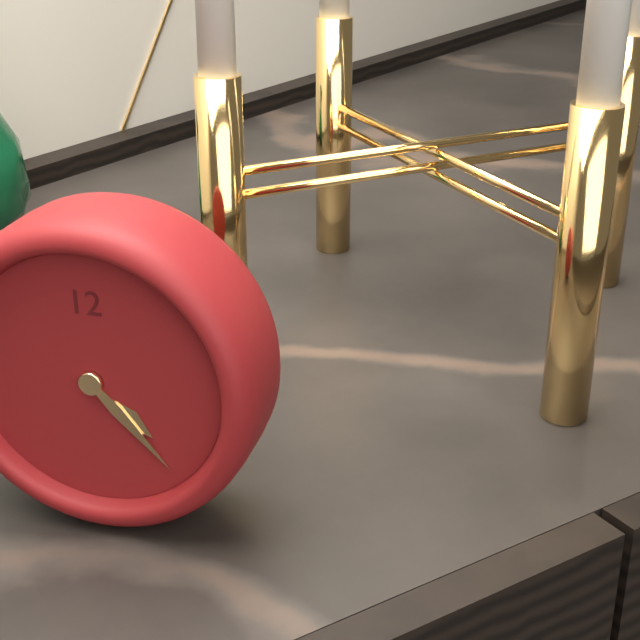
4 h 23 min
